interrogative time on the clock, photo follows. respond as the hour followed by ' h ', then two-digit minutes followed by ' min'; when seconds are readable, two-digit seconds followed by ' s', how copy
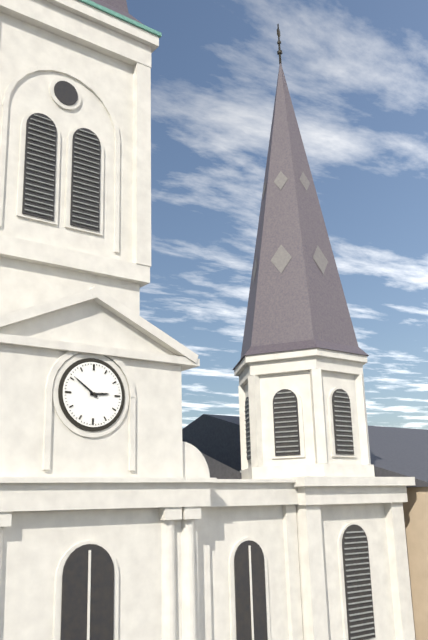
2 h 51 min
